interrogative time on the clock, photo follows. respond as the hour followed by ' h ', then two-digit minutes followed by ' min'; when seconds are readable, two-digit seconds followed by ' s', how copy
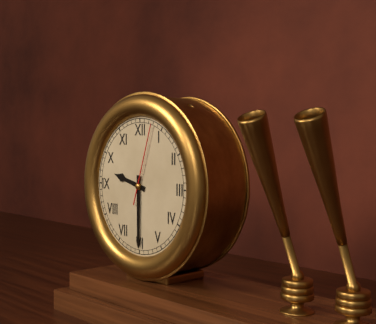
9 h 30 min 03 s
